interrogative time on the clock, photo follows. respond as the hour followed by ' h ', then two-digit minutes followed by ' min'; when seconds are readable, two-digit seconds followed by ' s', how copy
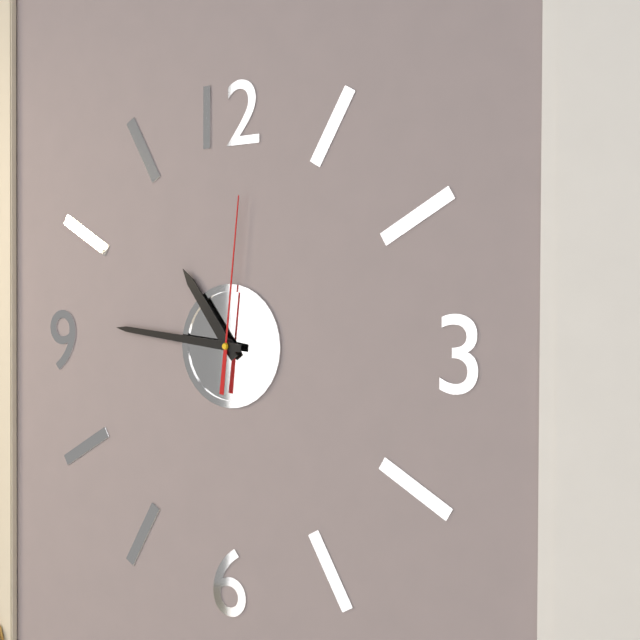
10 h 46 min 01 s
